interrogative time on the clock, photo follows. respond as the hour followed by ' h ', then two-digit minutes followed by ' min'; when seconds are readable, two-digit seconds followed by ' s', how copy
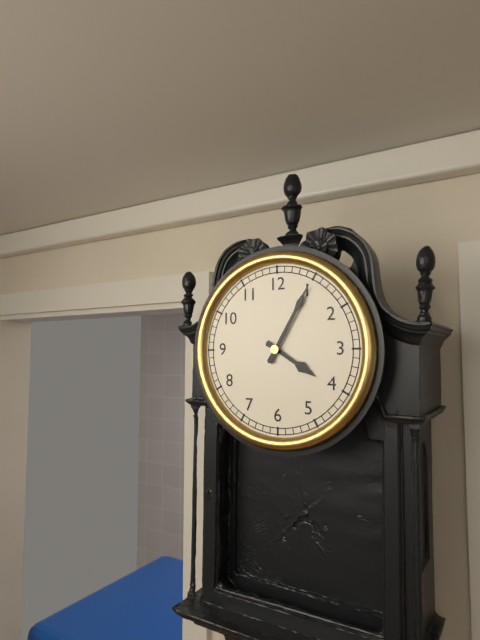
4 h 05 min
